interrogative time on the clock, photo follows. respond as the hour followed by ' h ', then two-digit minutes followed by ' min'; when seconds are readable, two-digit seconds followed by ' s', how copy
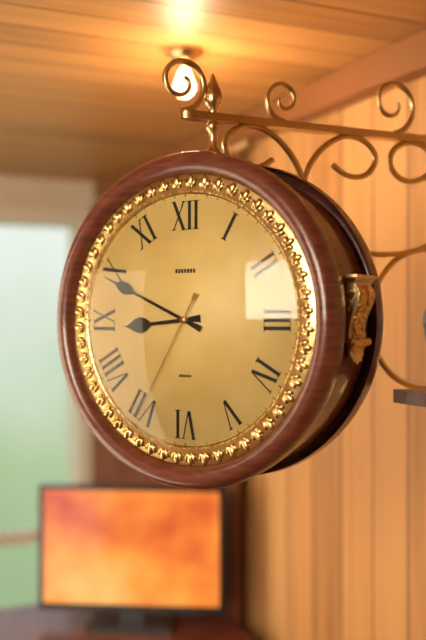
8 h 49 min 35 s
